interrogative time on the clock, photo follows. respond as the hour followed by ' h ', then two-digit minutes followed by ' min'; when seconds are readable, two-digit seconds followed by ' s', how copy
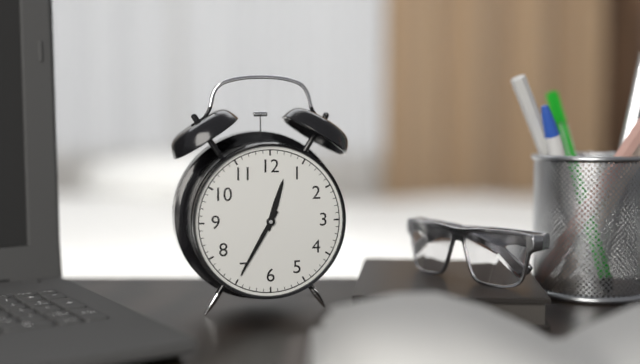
12 h 35 min
